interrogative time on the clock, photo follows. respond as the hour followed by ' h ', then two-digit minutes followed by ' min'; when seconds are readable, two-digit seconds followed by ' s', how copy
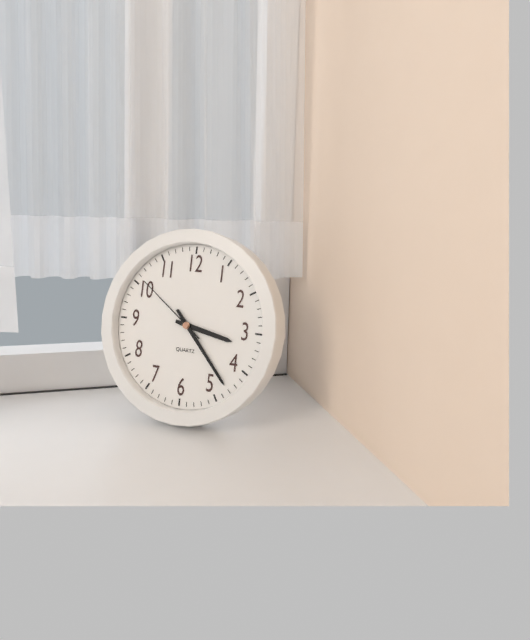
3 h 23 min 51 s
